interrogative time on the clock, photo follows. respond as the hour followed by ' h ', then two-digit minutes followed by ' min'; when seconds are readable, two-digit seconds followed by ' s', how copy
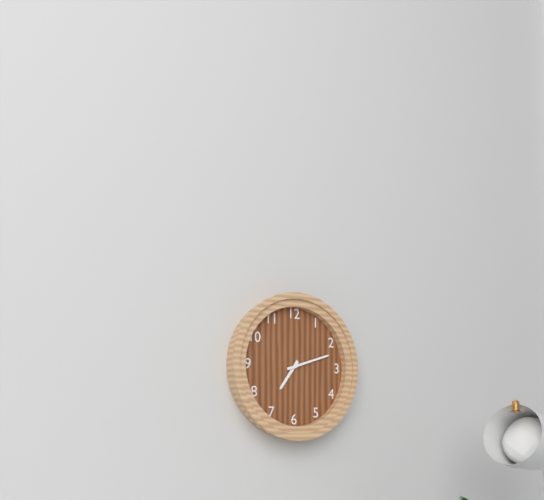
7 h 12 min
